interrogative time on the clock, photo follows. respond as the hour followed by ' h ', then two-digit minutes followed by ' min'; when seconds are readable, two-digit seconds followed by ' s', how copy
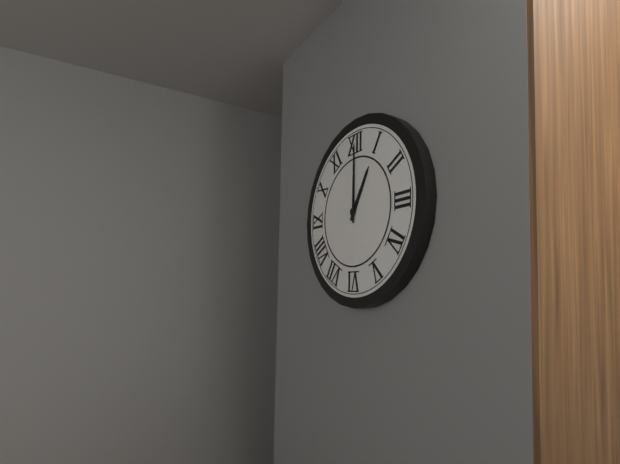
1 h 00 min
